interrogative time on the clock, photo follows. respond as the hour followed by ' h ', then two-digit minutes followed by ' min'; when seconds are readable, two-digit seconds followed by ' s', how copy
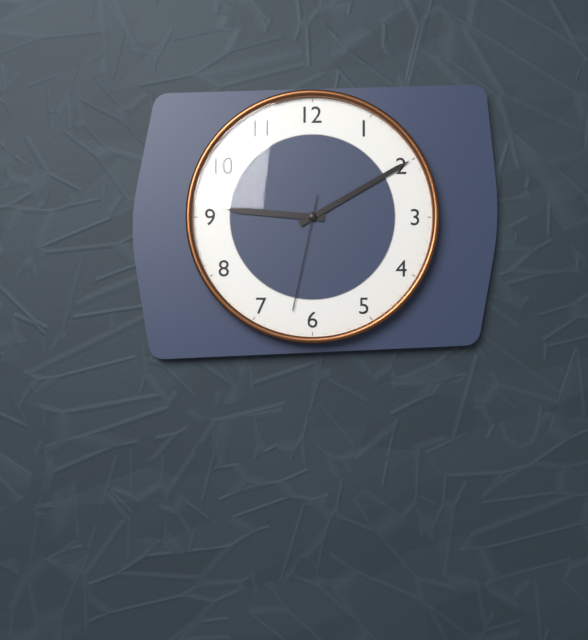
9 h 10 min 32 s
